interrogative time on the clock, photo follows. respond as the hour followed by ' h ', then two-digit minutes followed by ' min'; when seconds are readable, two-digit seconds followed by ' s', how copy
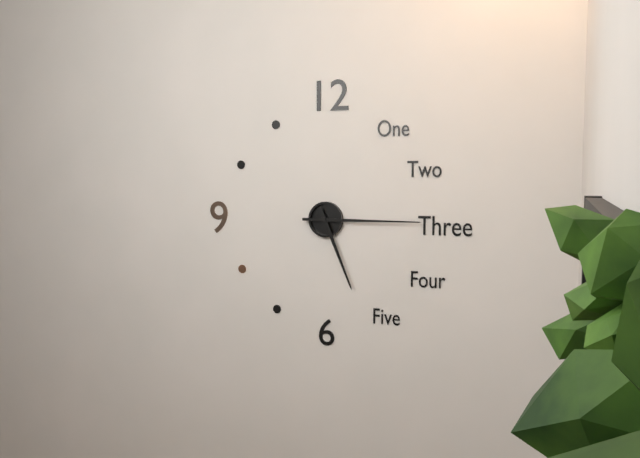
5 h 15 min
